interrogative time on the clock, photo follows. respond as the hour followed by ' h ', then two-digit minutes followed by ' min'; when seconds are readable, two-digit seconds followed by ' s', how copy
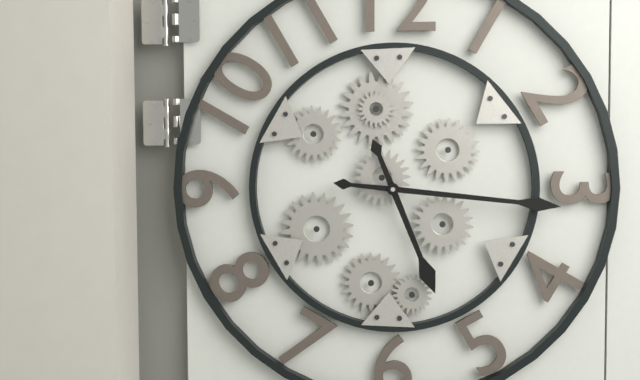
5 h 16 min
